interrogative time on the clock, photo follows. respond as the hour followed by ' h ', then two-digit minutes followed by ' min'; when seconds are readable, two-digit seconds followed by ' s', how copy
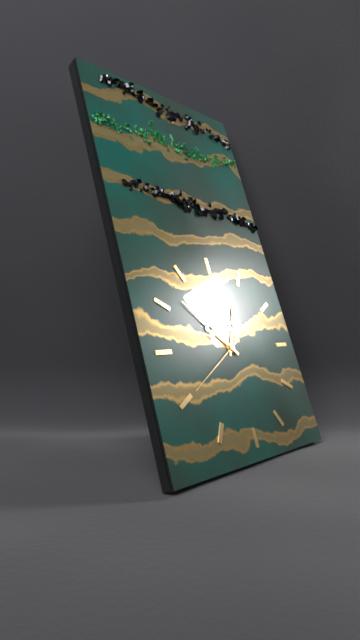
12 h 52 min 40 s
